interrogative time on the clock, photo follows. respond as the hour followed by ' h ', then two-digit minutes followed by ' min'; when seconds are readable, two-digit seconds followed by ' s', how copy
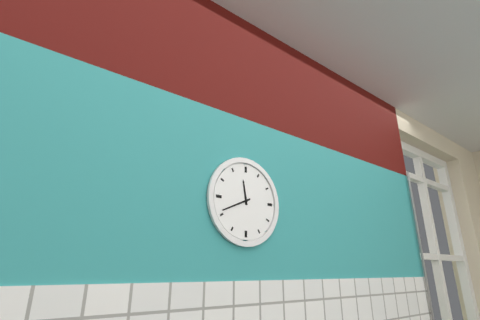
11 h 41 min
